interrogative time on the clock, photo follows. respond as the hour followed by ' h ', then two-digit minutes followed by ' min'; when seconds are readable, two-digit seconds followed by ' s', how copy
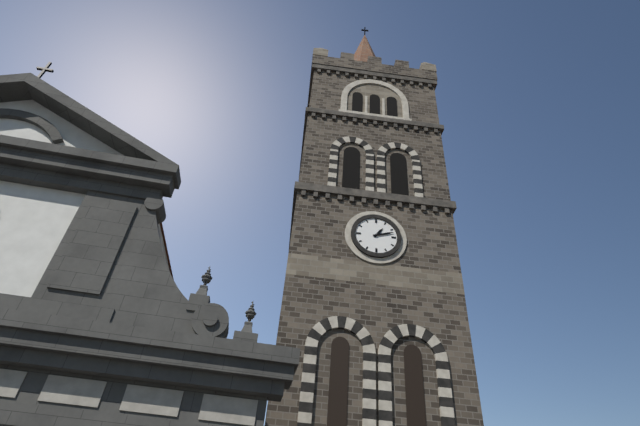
1 h 12 min
